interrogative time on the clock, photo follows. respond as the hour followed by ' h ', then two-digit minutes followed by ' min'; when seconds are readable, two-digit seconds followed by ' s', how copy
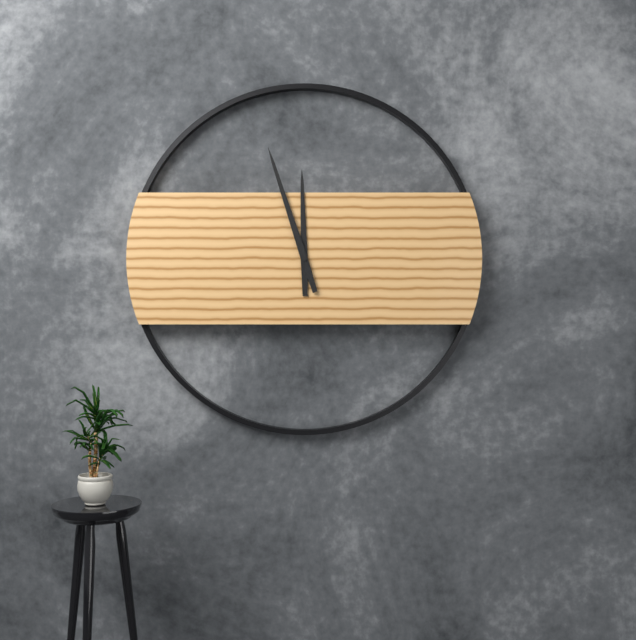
11 h 57 min
